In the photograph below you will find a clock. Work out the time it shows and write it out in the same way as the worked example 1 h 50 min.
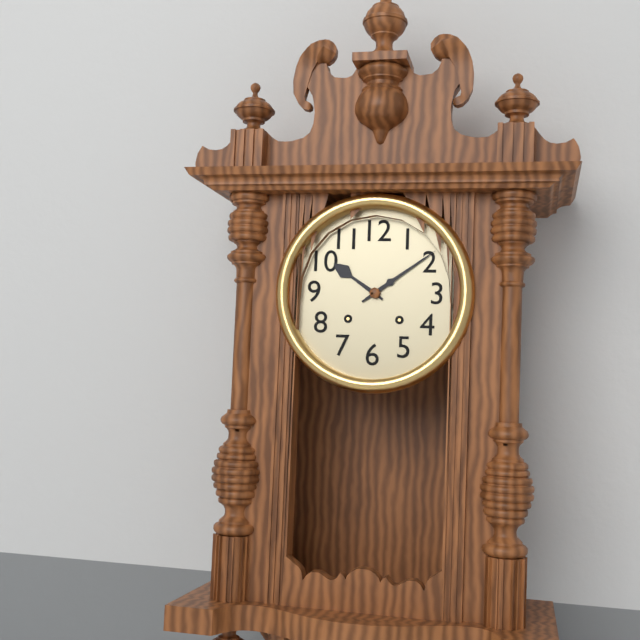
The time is 10 h 09 min
